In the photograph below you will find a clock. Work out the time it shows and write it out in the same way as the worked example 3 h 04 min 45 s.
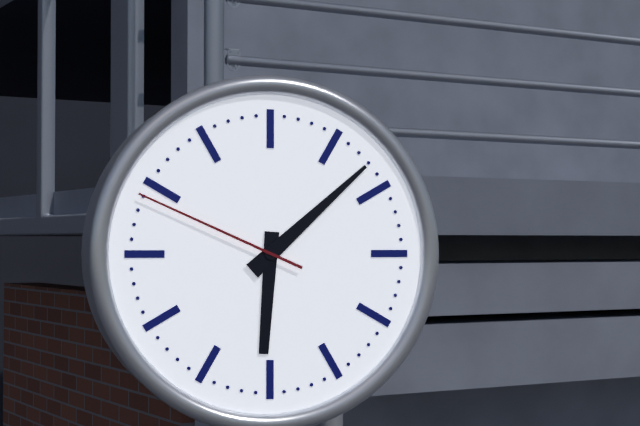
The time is 6 h 08 min 49 s
